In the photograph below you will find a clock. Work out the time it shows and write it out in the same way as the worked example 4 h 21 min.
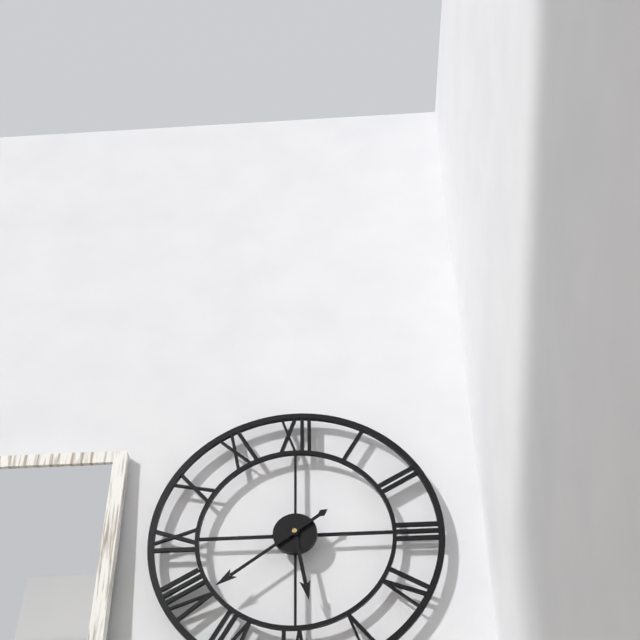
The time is 5 h 39 min
